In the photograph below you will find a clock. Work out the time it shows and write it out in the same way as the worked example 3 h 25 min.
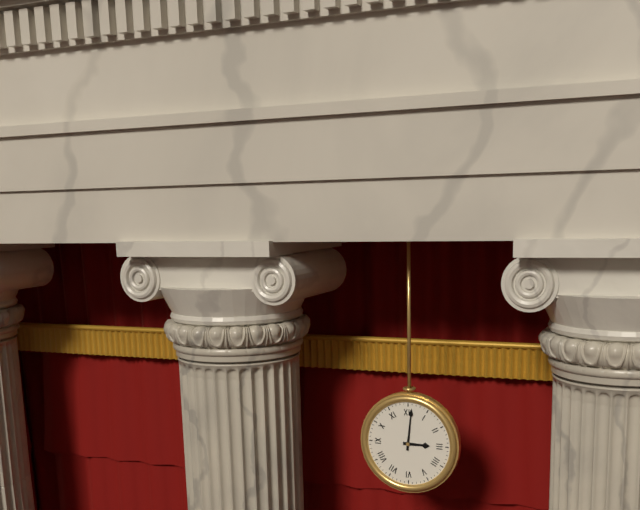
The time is 3 h 01 min
